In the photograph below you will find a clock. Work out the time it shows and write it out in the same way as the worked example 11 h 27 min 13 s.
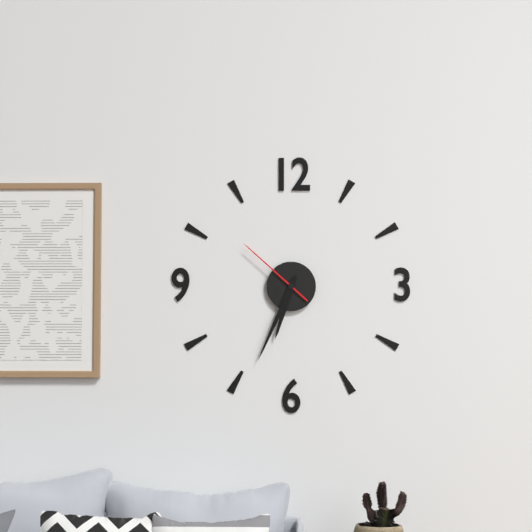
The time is 6 h 34 min 52 s
